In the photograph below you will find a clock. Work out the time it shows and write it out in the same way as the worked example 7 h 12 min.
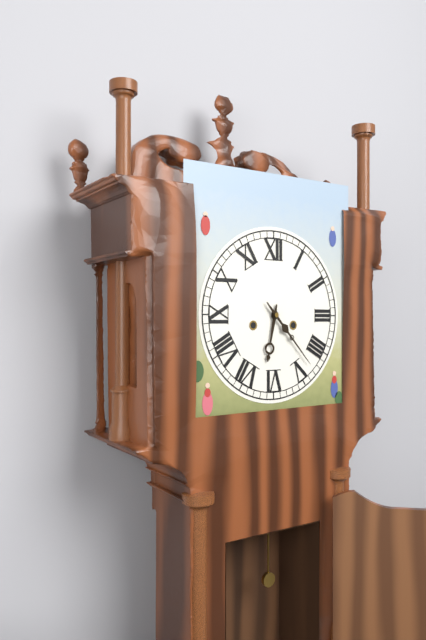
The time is 6 h 23 min
